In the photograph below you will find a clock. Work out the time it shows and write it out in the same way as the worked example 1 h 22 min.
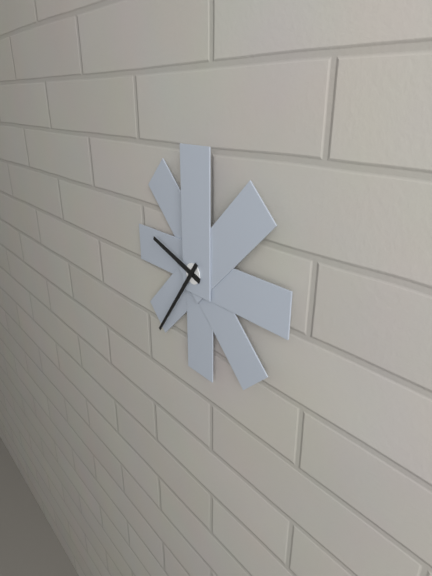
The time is 9 h 36 min
